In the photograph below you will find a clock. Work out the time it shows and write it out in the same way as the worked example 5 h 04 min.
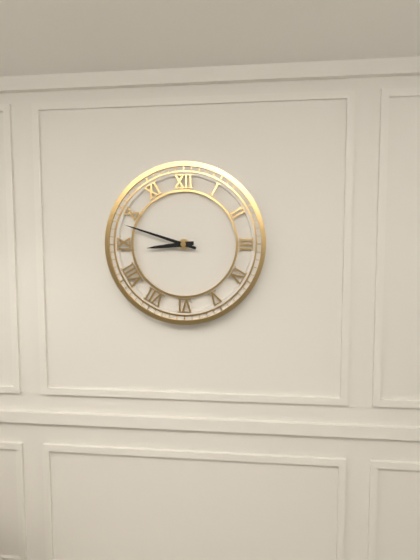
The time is 8 h 48 min
